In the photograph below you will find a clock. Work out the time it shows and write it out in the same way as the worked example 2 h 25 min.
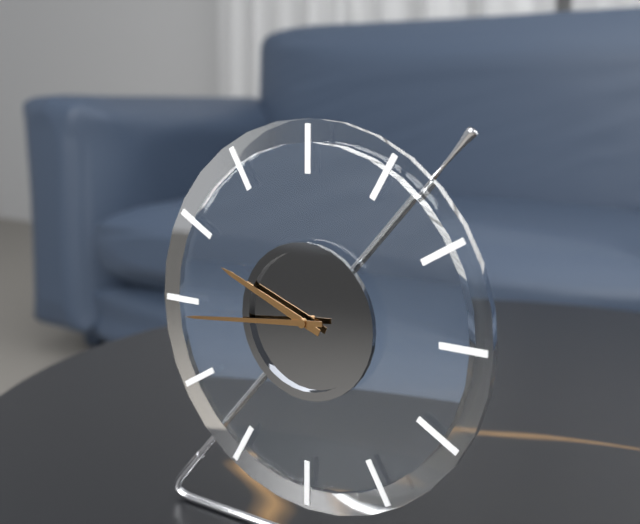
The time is 9 h 44 min
